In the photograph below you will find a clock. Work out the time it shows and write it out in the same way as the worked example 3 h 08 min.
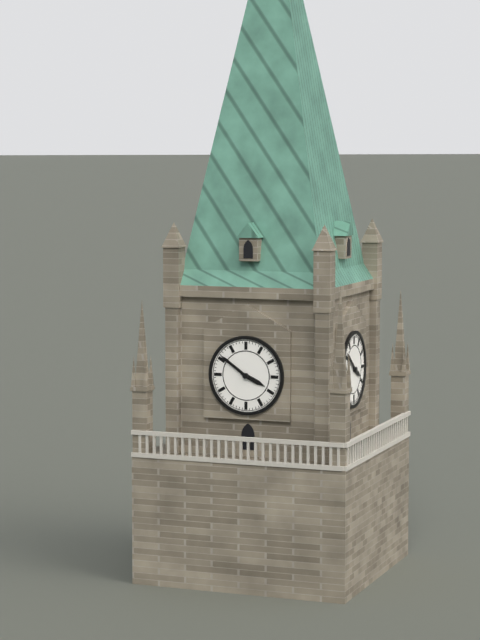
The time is 3 h 51 min
